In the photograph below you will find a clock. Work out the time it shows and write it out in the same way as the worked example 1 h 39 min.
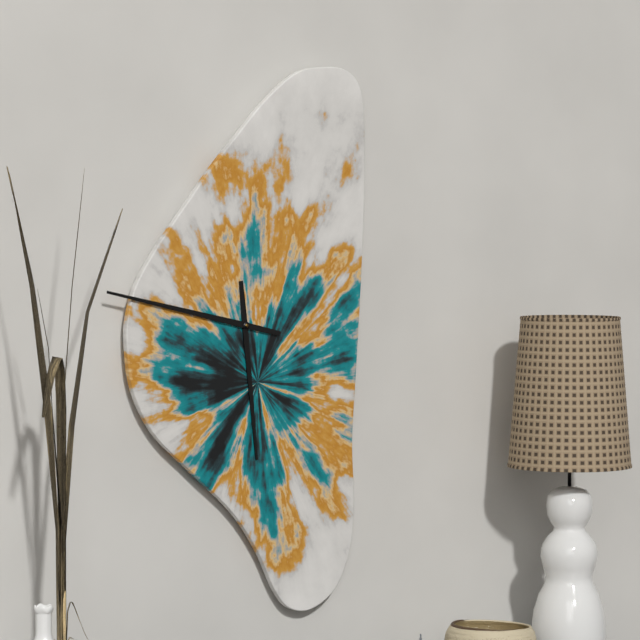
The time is 5 h 47 min
